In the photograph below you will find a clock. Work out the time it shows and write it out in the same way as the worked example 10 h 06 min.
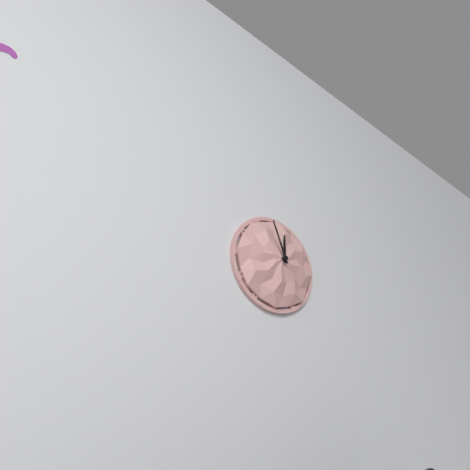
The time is 11 h 56 min
